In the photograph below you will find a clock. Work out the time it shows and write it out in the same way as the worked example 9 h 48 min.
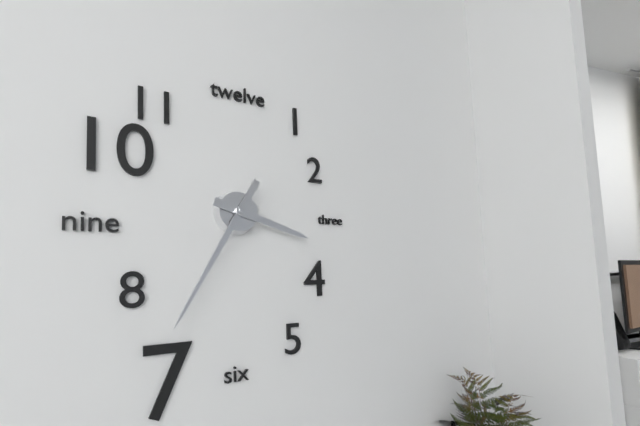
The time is 3 h 35 min
